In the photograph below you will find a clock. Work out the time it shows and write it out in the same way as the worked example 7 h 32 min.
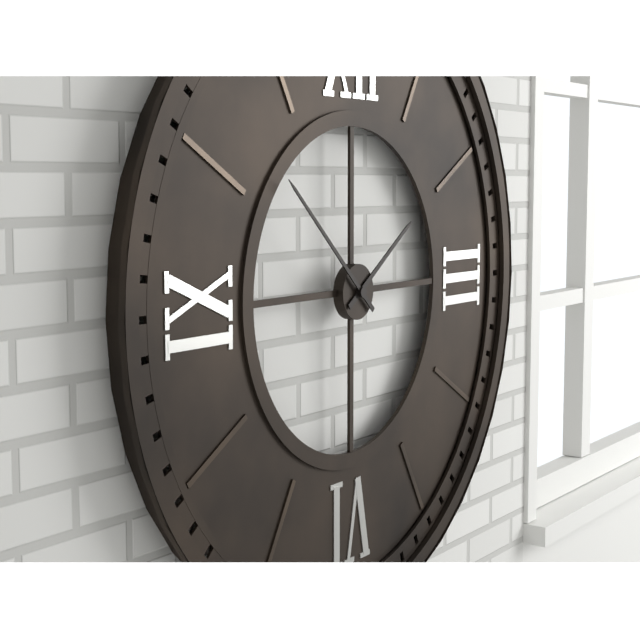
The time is 1 h 52 min
